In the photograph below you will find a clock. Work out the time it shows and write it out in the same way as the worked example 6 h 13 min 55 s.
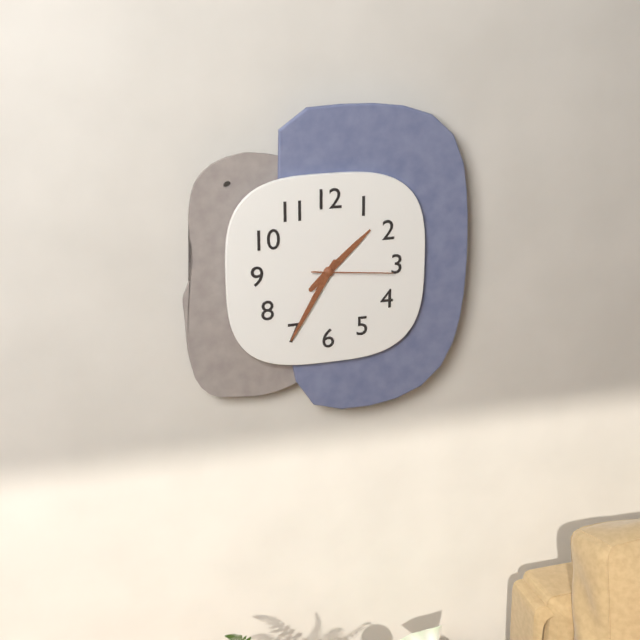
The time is 1 h 35 min 16 s
